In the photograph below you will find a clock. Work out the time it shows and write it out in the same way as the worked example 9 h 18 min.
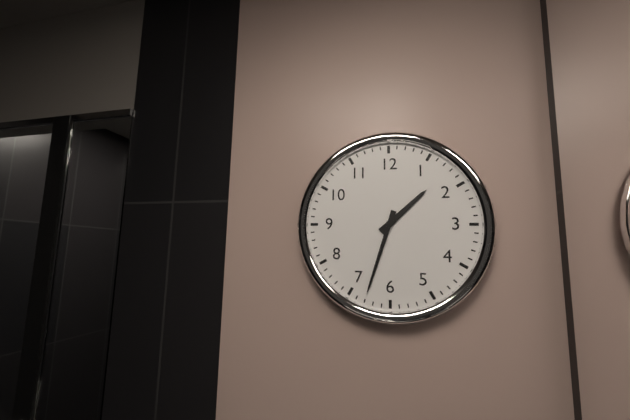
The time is 1 h 33 min
